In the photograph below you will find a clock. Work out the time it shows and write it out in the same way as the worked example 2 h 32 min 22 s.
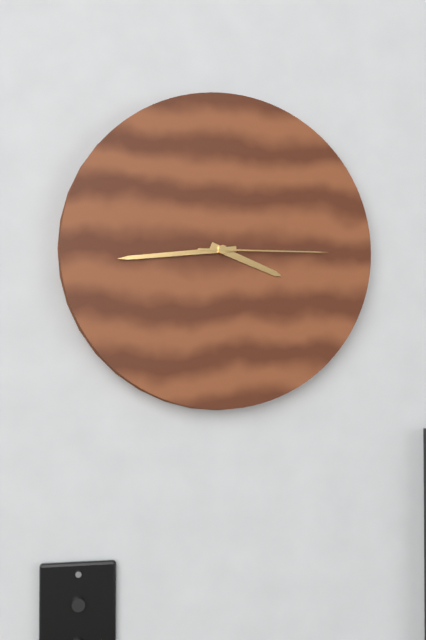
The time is 3 h 44 min 15 s
